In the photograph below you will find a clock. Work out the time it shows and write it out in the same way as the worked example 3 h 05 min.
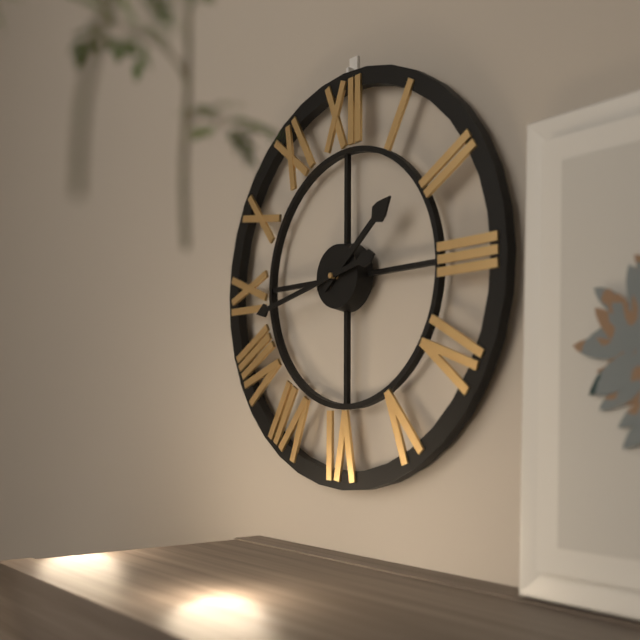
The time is 1 h 43 min
